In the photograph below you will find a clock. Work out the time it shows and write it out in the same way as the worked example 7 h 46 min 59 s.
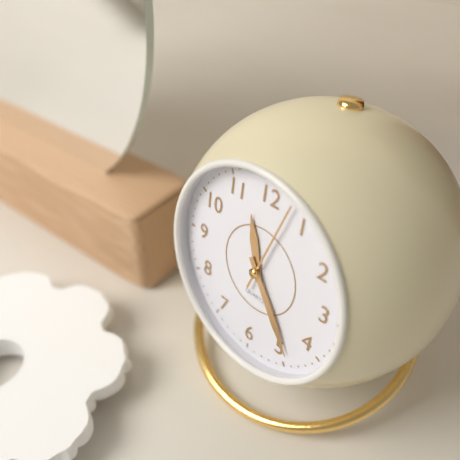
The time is 11 h 24 min 03 s
